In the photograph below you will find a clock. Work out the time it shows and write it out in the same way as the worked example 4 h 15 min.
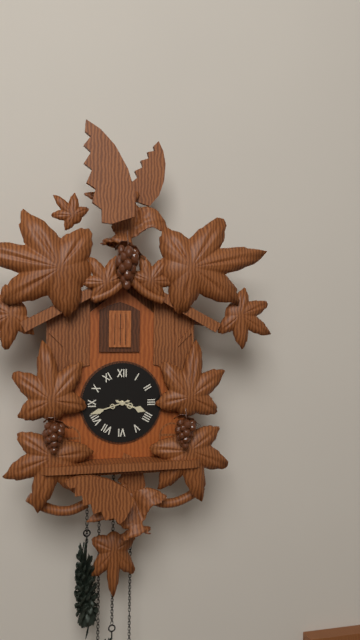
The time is 3 h 42 min
